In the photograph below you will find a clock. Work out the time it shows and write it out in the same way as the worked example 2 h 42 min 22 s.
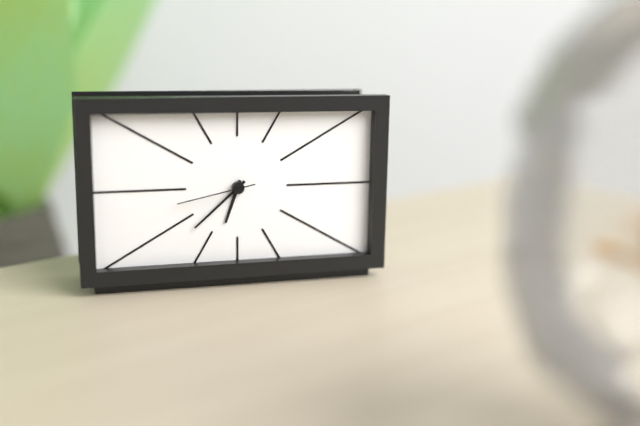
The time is 6 h 38 min 43 s
